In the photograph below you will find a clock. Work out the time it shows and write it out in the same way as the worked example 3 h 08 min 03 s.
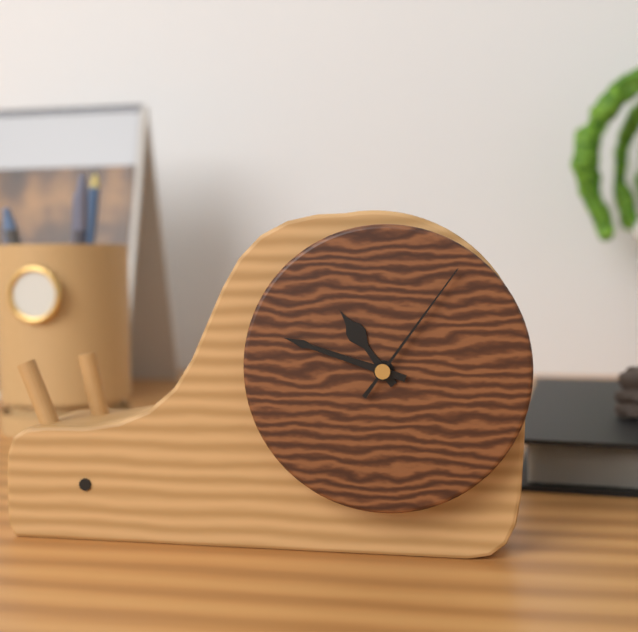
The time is 10 h 48 min 06 s
